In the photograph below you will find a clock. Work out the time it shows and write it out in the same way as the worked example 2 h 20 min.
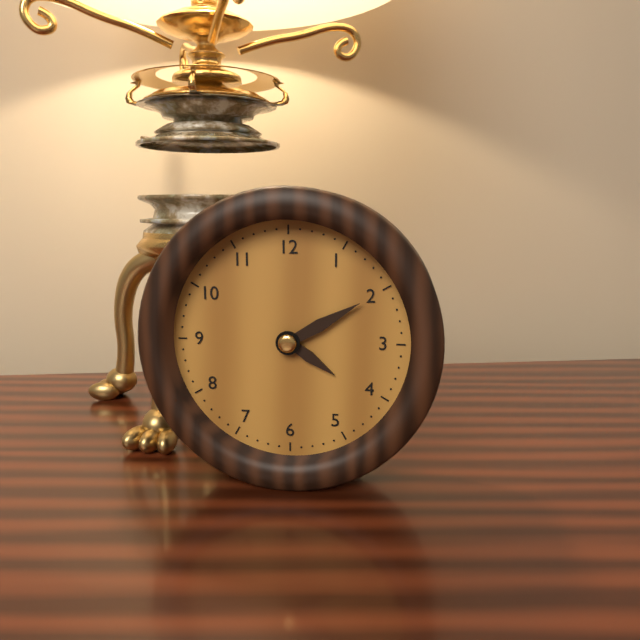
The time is 4 h 10 min
